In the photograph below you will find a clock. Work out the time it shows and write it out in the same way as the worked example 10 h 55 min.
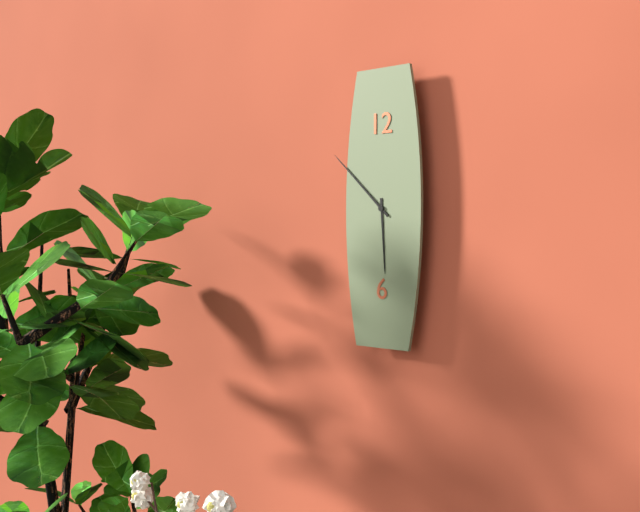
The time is 5 h 52 min
